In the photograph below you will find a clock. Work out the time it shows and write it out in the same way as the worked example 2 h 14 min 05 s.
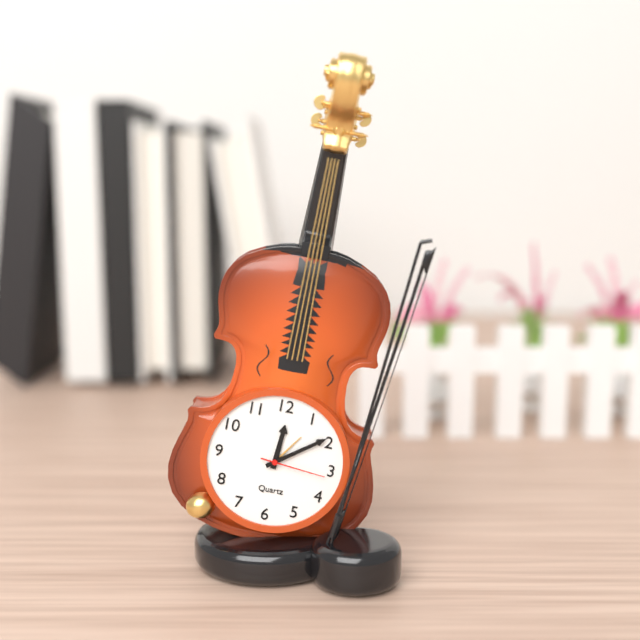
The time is 12 h 09 min 16 s
